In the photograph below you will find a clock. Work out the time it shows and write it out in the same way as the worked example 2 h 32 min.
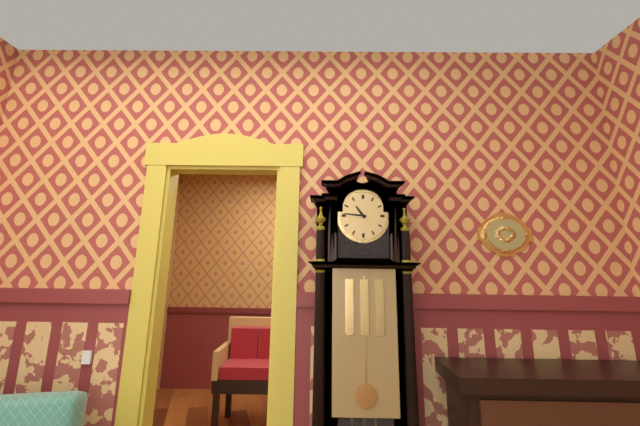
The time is 10 h 46 min
